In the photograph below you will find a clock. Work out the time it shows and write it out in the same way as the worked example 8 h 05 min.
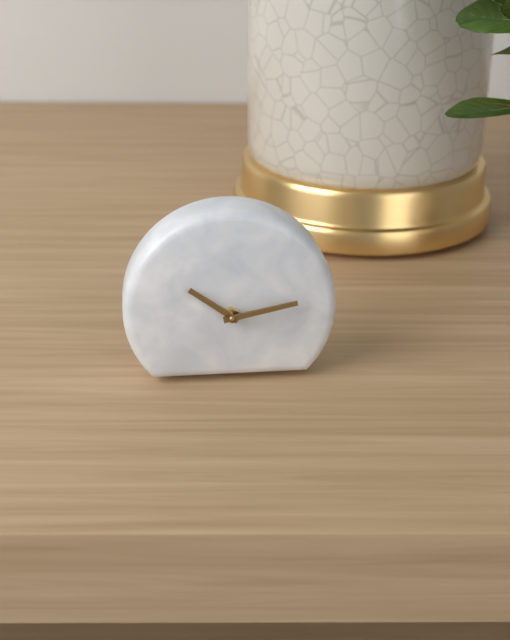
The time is 10 h 13 min
